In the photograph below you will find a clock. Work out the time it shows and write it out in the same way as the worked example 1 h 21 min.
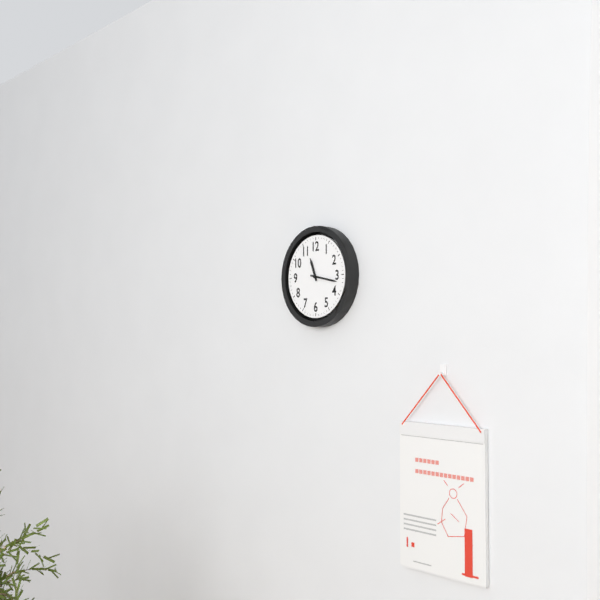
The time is 11 h 17 min
